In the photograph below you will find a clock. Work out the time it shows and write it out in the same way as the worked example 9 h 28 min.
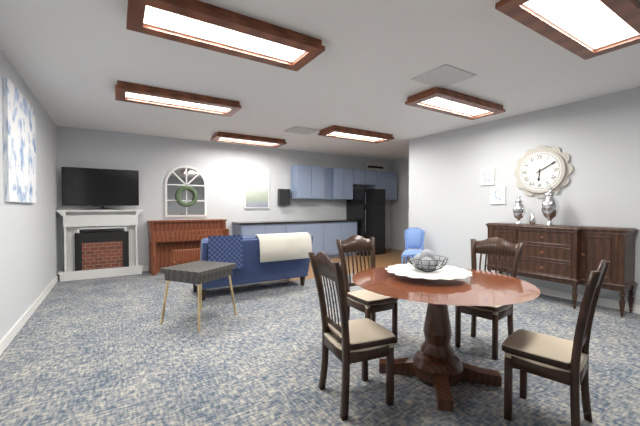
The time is 6 h 10 min
